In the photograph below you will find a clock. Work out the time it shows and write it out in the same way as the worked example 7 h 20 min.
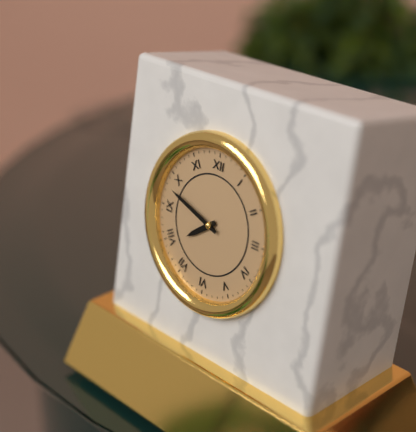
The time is 7 h 48 min
